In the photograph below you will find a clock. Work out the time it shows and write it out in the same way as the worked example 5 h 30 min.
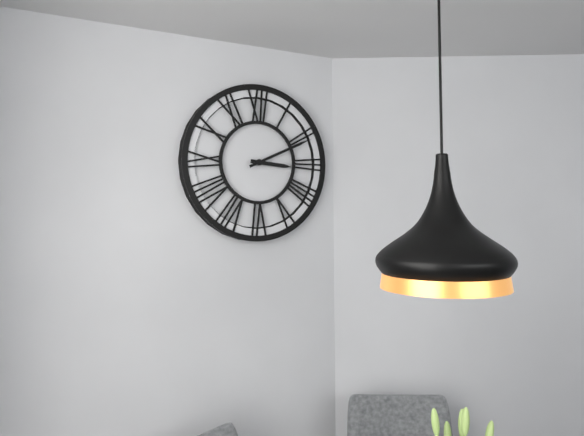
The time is 3 h 11 min
